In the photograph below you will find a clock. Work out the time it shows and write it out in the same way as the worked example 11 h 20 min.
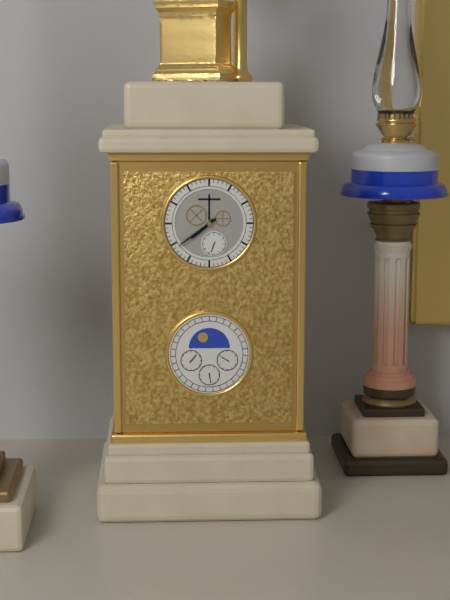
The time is 7 h 39 min
